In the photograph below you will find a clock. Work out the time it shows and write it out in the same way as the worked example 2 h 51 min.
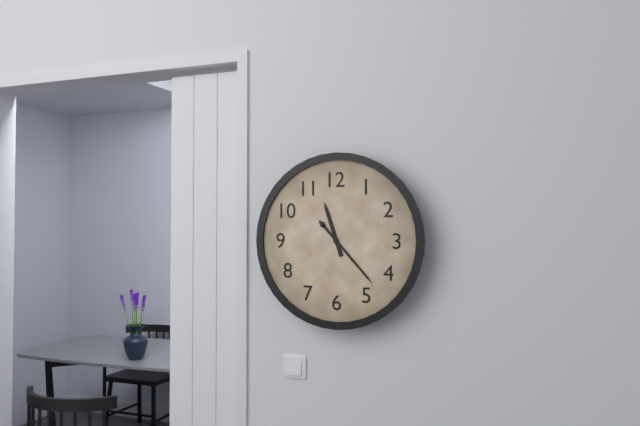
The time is 11 h 23 min
